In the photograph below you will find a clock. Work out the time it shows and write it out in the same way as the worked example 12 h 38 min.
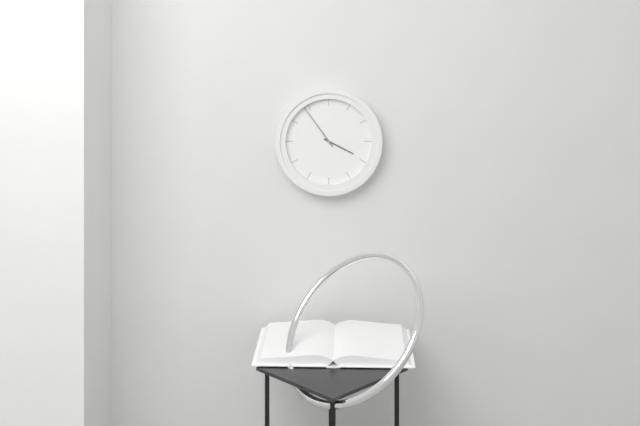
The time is 3 h 54 min
